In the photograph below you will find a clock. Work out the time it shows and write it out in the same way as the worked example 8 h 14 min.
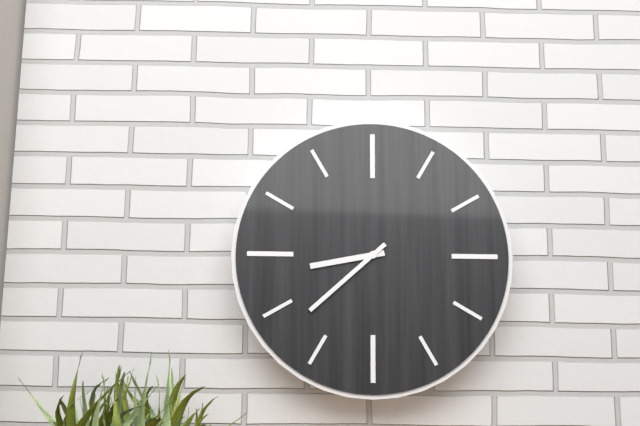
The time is 8 h 38 min
